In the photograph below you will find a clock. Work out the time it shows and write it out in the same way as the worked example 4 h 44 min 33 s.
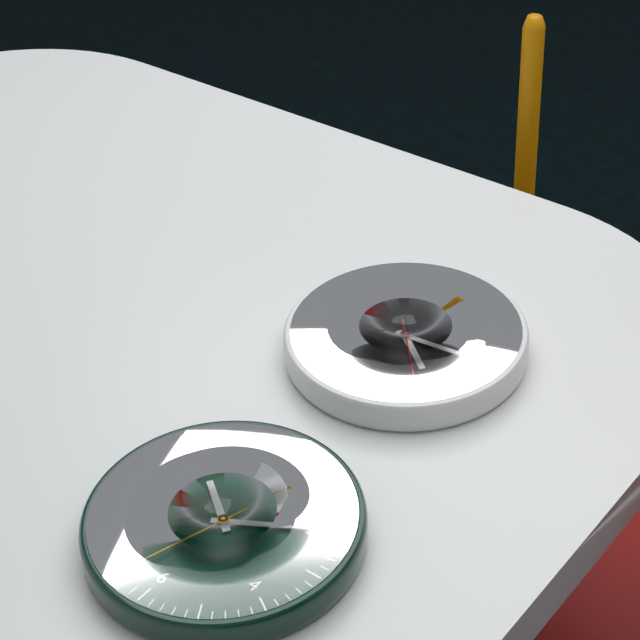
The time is 4 h 14 min 23 s
